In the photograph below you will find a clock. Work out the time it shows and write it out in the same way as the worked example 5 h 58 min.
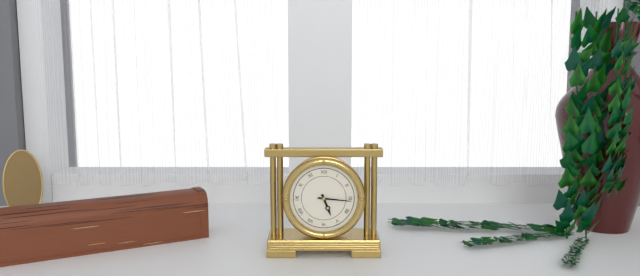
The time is 5 h 16 min
